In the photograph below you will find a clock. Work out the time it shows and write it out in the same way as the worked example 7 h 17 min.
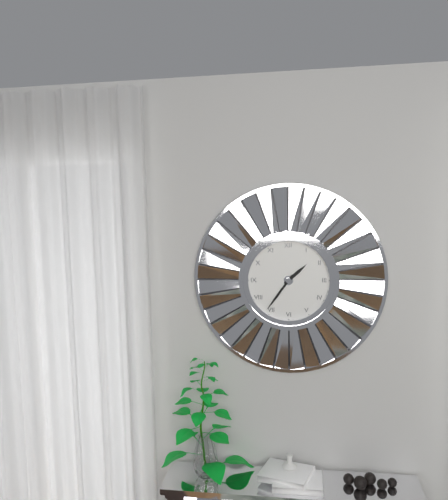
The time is 1 h 36 min
